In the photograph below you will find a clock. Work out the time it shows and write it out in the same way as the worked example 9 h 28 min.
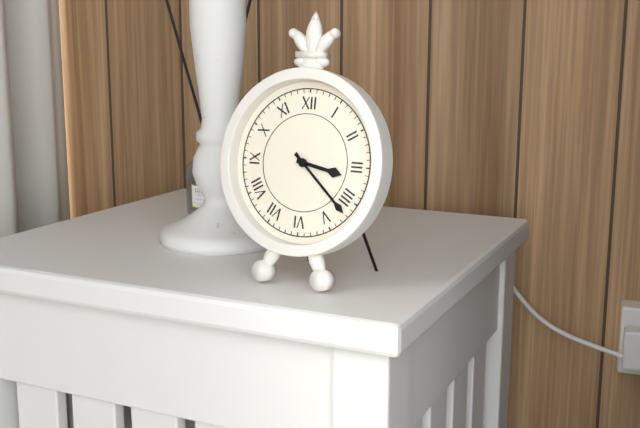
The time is 3 h 22 min
